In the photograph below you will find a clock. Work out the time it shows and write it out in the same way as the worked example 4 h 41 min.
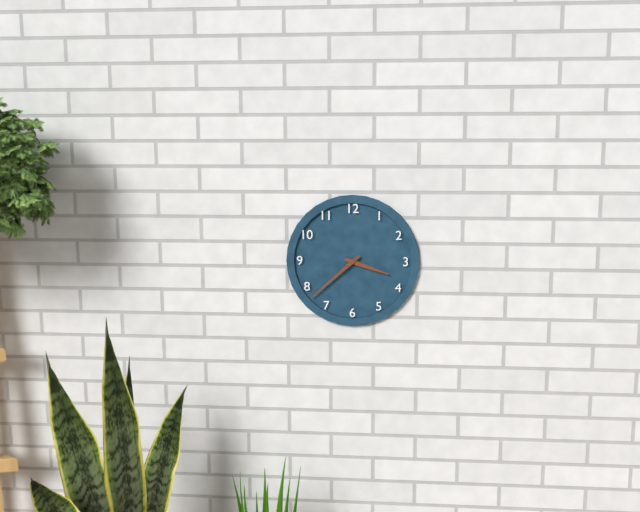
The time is 3 h 38 min
